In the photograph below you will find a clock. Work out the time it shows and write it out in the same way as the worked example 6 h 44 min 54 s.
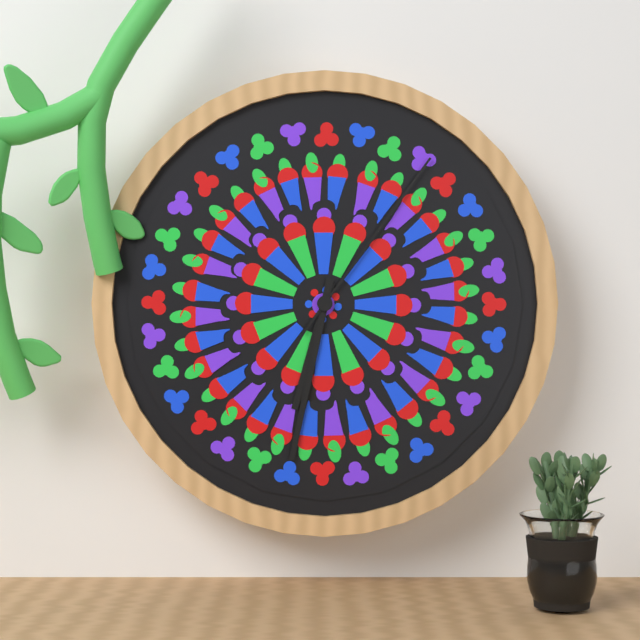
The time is 6 h 32 min 06 s
